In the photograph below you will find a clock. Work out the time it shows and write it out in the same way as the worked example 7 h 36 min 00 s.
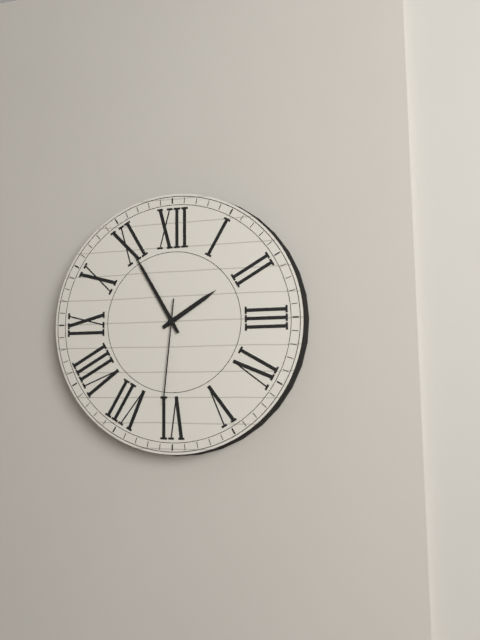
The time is 1 h 55 min 31 s
